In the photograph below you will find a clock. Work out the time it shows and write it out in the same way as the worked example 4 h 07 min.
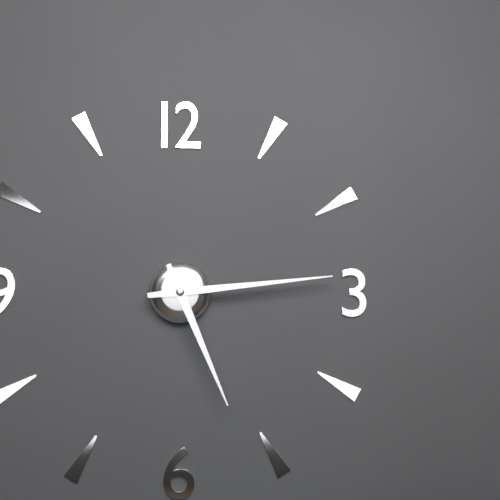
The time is 5 h 14 min
